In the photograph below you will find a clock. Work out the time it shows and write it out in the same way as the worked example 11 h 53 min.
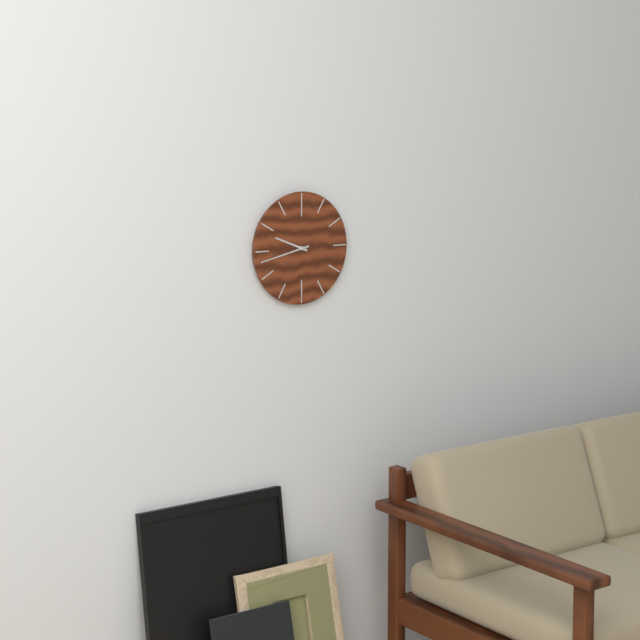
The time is 9 h 43 min
